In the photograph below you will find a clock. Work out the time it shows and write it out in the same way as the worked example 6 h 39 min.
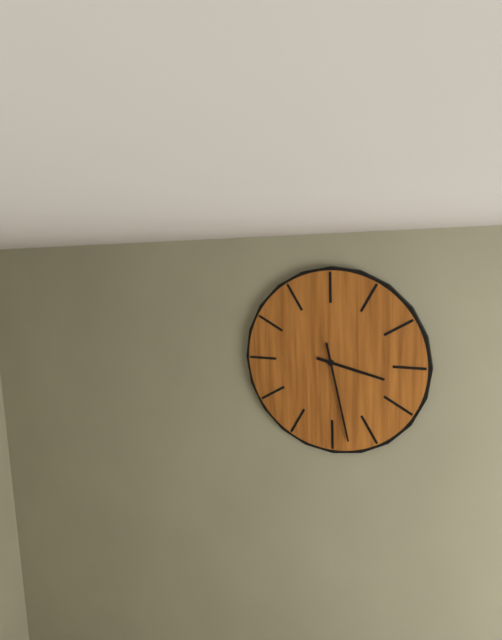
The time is 3 h 28 min
